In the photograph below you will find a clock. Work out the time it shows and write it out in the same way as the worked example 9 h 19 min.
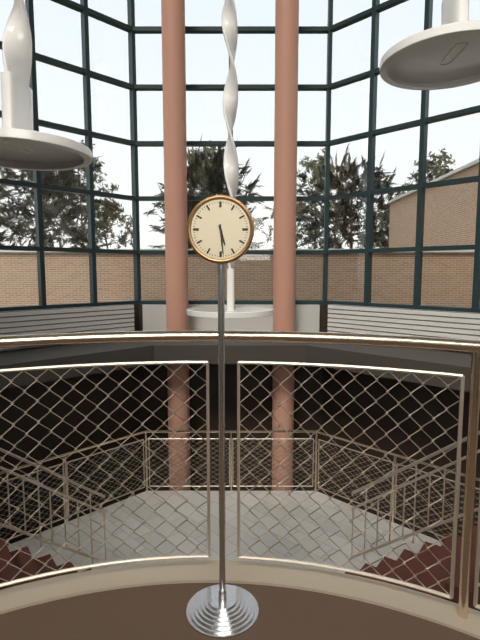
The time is 5 h 29 min
